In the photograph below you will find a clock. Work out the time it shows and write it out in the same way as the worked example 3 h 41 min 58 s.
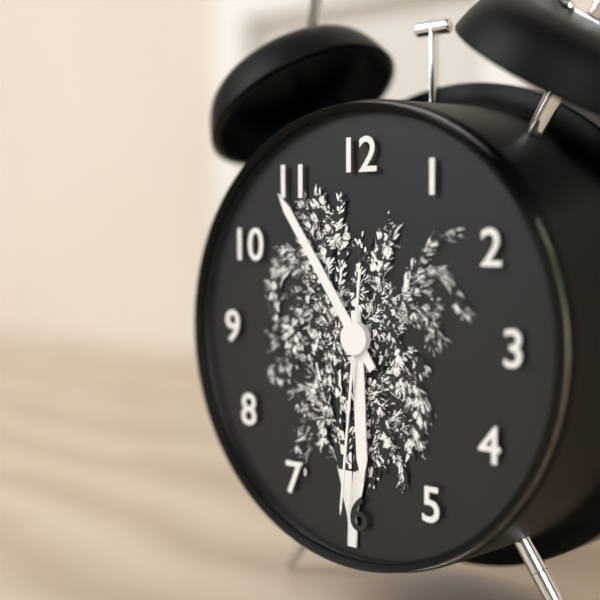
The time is 5 h 54 min 31 s
